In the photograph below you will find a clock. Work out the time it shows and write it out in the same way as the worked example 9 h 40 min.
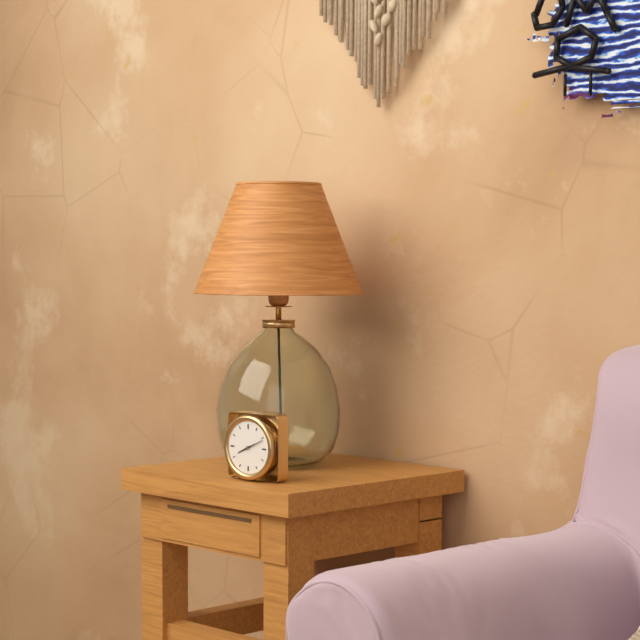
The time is 8 h 11 min
